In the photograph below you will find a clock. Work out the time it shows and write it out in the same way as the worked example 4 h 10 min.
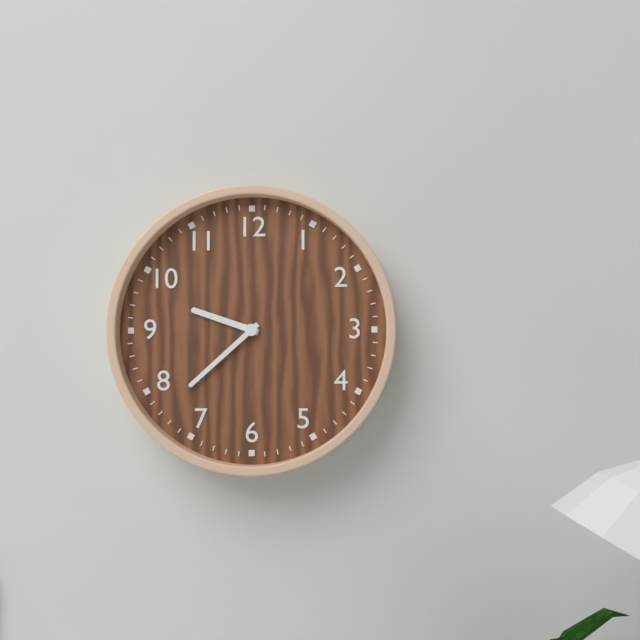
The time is 9 h 38 min
